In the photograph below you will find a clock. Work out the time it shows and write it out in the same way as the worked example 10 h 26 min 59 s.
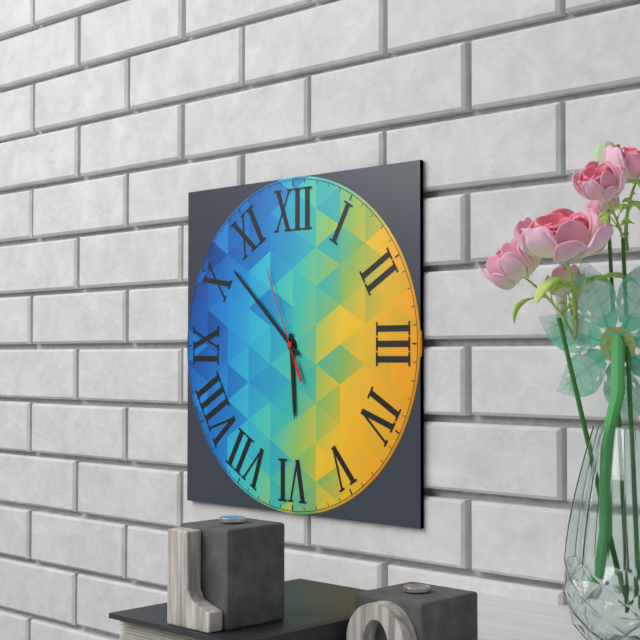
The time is 5 h 52 min 56 s
